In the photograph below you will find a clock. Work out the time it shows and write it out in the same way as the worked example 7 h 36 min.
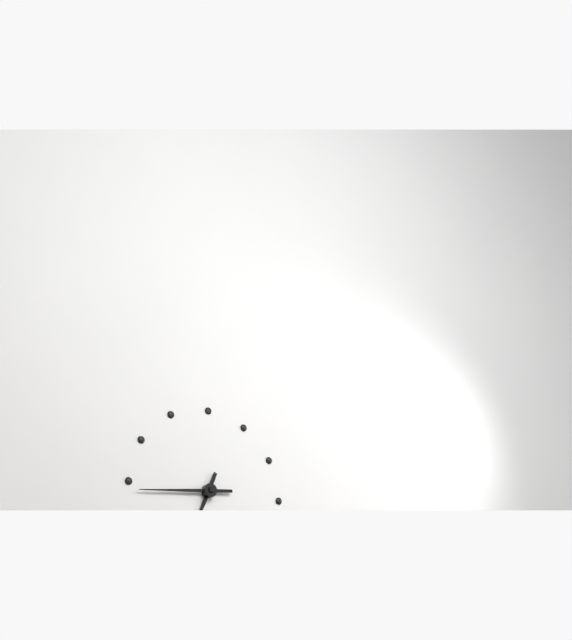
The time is 6 h 44 min
